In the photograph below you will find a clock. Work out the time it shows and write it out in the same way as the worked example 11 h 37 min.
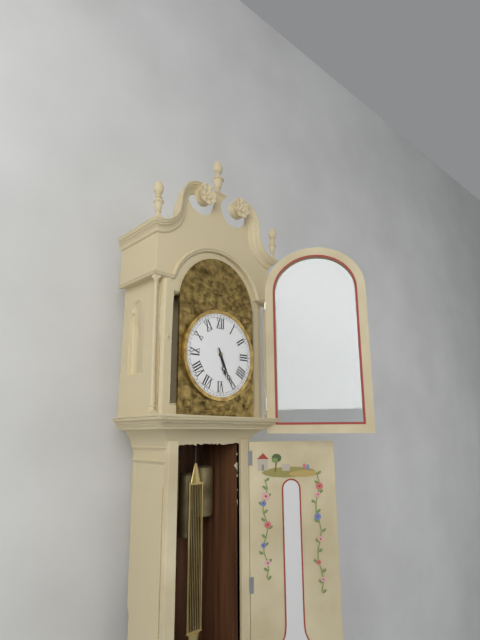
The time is 5 h 26 min
